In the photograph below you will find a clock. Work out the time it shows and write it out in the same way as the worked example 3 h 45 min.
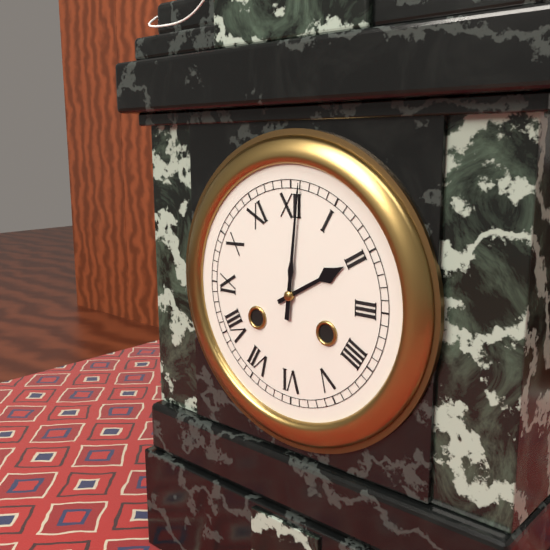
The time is 2 h 01 min
